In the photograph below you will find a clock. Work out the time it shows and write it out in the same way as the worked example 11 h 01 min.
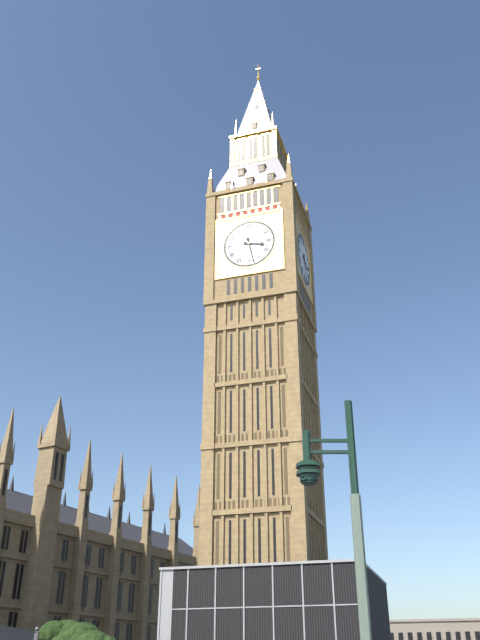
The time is 3 h 28 min
